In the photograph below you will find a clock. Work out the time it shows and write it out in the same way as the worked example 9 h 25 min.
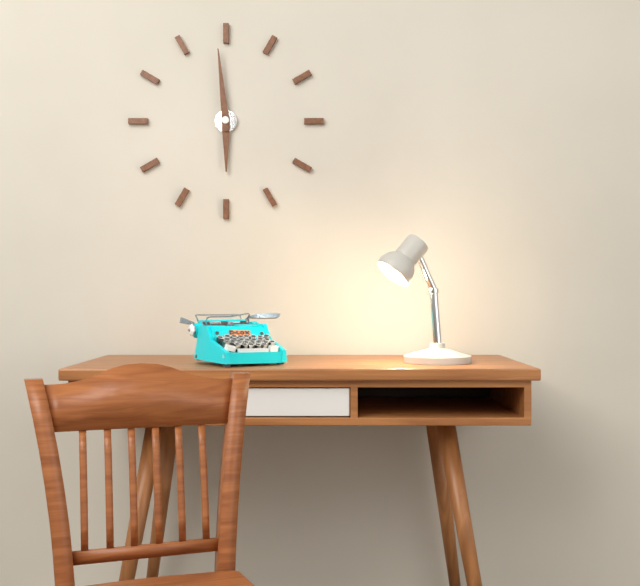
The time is 5 h 59 min
